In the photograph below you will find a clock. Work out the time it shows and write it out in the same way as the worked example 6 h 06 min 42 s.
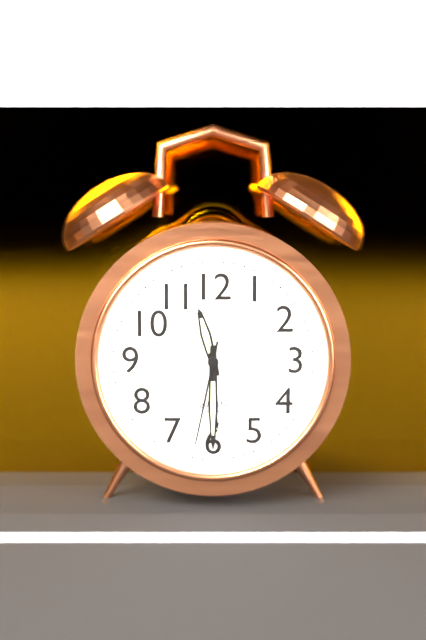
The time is 11 h 30 min 32 s
